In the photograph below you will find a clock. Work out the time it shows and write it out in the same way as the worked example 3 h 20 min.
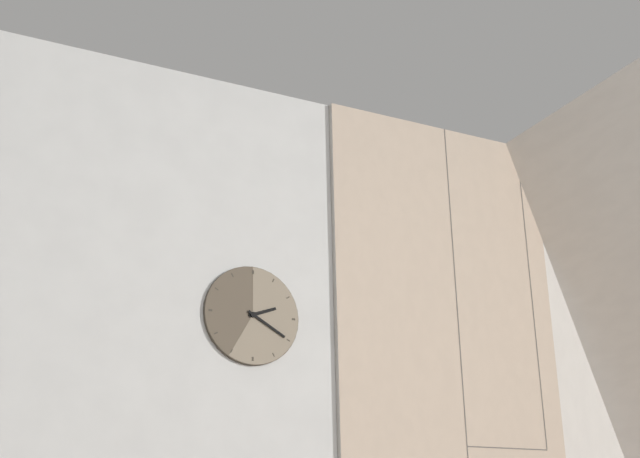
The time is 2 h 20 min
